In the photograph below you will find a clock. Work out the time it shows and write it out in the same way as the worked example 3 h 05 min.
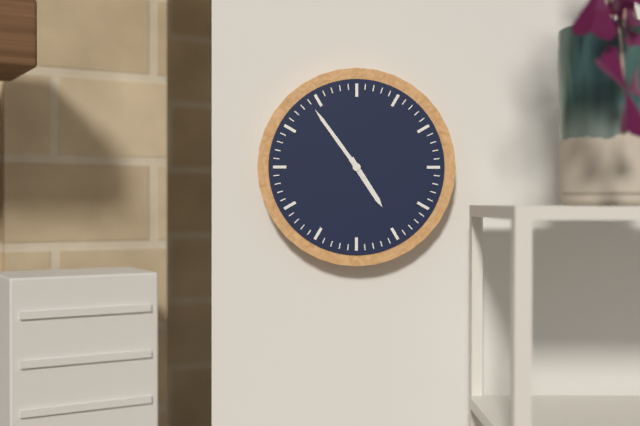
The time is 4 h 54 min
